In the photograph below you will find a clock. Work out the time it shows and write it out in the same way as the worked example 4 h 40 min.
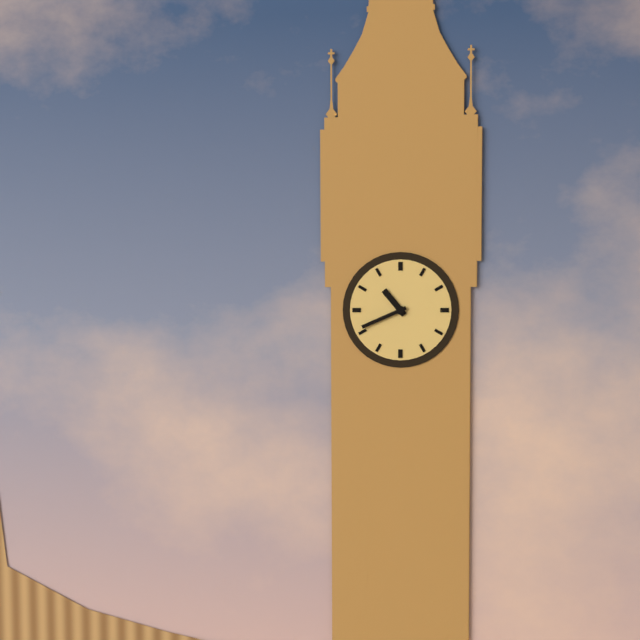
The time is 10 h 41 min
